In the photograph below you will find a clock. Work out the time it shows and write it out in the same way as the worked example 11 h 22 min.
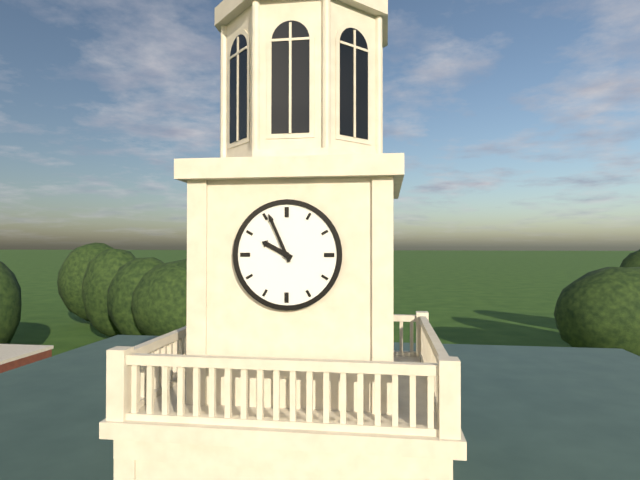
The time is 9 h 56 min
